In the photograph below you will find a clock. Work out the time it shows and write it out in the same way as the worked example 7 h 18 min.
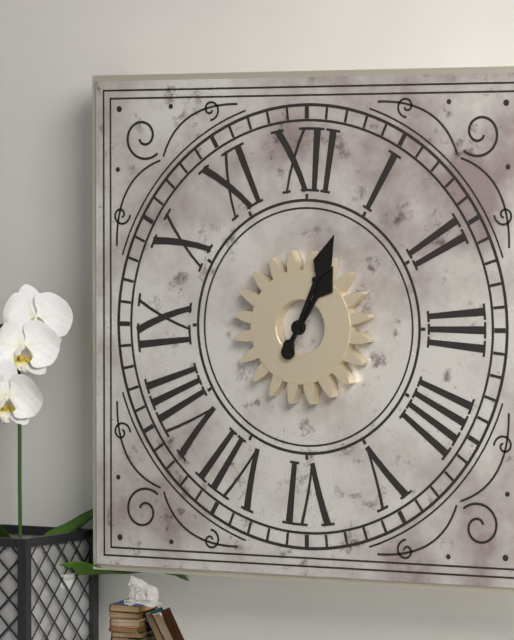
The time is 1 h 04 min
